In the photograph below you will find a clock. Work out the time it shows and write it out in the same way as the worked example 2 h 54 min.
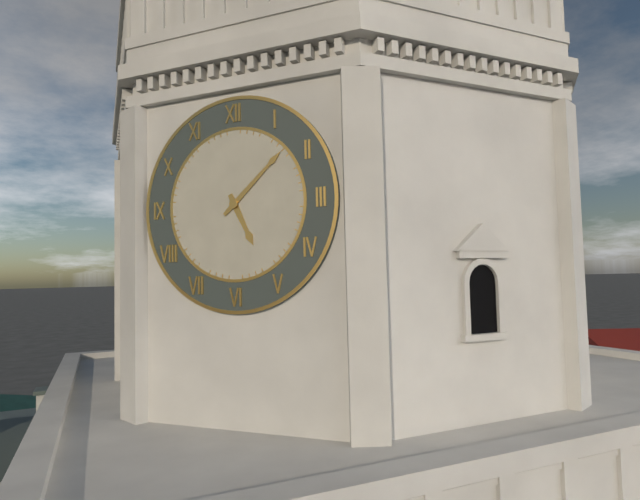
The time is 5 h 08 min
